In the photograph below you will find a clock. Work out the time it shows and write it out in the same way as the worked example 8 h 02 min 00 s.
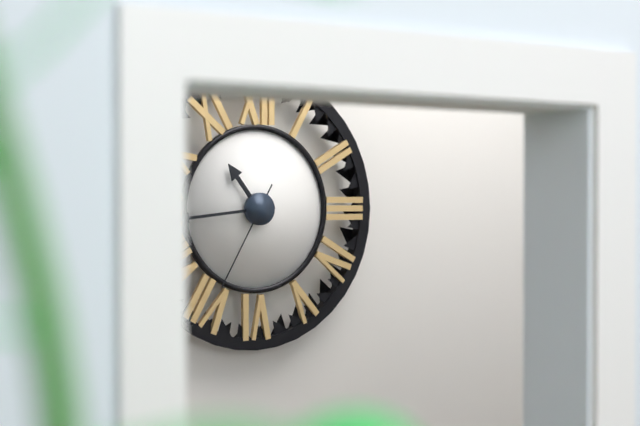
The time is 10 h 44 min 35 s
